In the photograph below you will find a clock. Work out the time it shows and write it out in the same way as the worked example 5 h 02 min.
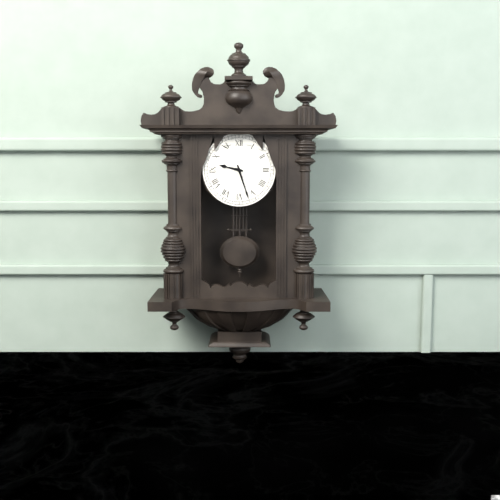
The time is 9 h 27 min
